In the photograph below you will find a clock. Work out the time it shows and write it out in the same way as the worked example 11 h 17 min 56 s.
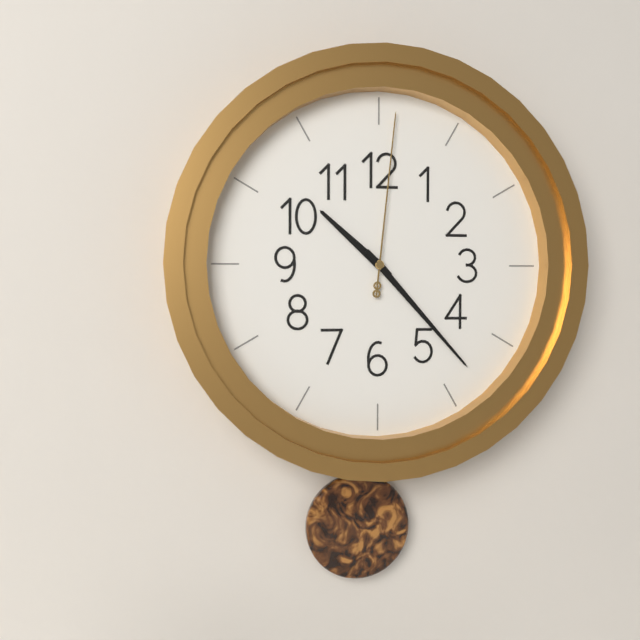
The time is 10 h 23 min 01 s
